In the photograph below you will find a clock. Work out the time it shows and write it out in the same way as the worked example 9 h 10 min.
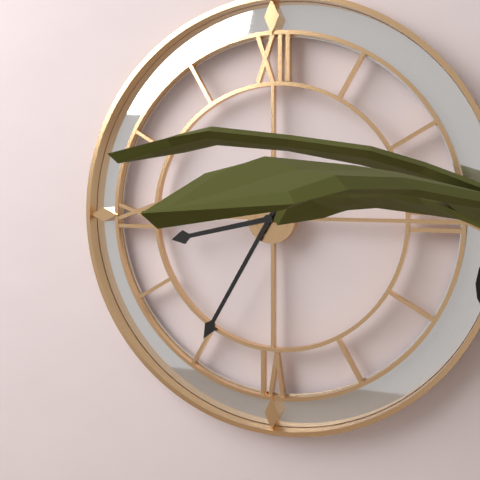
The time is 8 h 35 min
